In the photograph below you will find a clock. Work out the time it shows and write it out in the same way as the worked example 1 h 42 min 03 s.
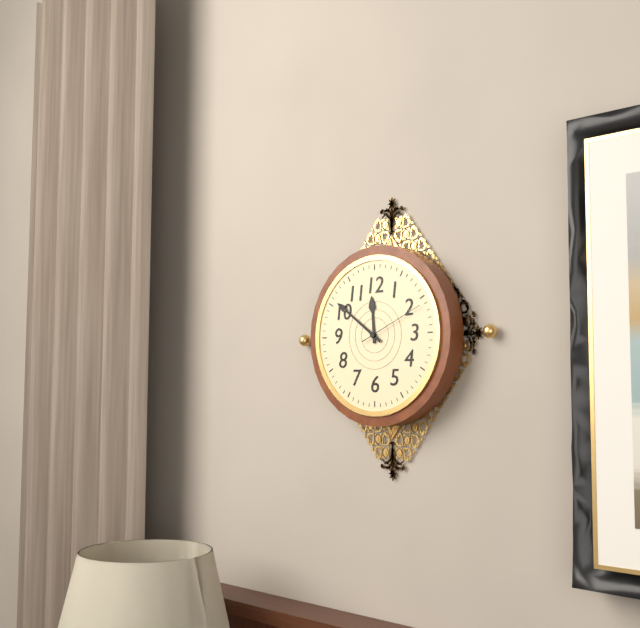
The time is 11 h 51 min 11 s
